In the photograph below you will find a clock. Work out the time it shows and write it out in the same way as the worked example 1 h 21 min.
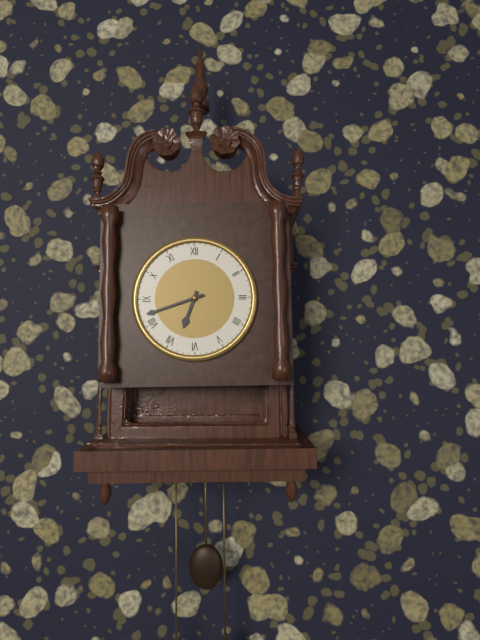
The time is 6 h 42 min
